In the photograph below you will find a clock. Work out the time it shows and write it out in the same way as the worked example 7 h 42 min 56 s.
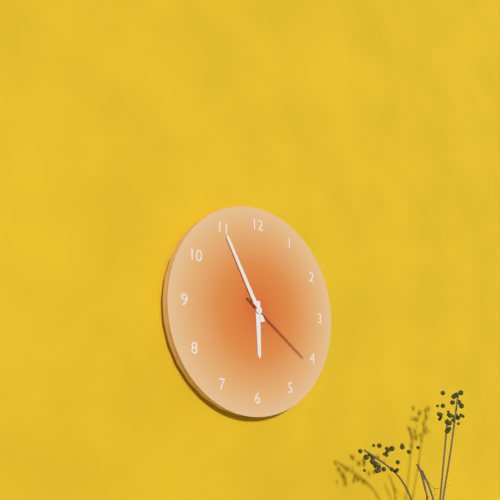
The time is 5 h 55 min 21 s
